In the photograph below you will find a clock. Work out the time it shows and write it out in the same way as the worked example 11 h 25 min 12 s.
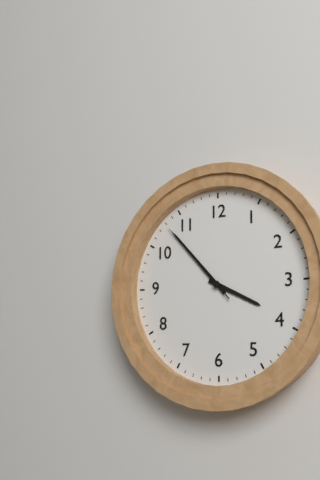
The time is 3 h 53 min 53 s
